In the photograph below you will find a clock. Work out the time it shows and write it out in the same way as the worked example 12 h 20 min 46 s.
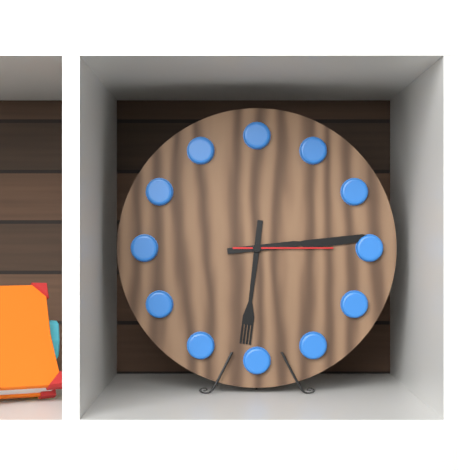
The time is 6 h 14 min 15 s
